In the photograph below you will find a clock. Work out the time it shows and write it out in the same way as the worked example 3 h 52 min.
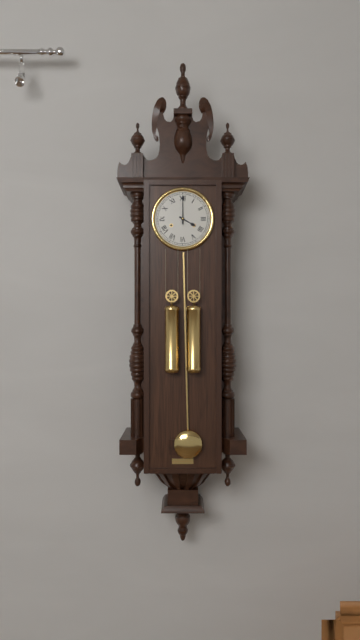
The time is 4 h 00 min
